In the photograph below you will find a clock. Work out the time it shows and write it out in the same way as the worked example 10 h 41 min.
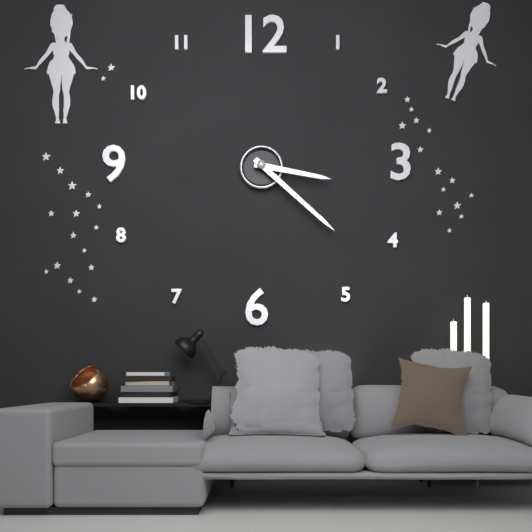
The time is 3 h 22 min
